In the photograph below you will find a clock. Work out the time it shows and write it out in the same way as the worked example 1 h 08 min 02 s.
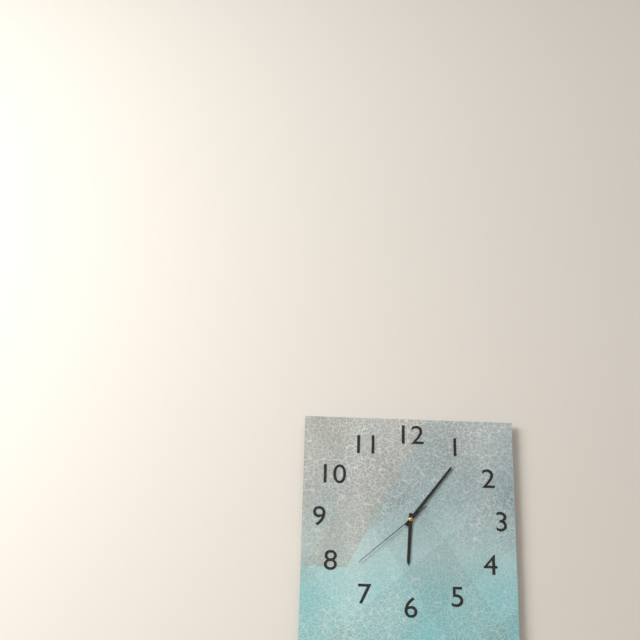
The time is 6 h 06 min 38 s
